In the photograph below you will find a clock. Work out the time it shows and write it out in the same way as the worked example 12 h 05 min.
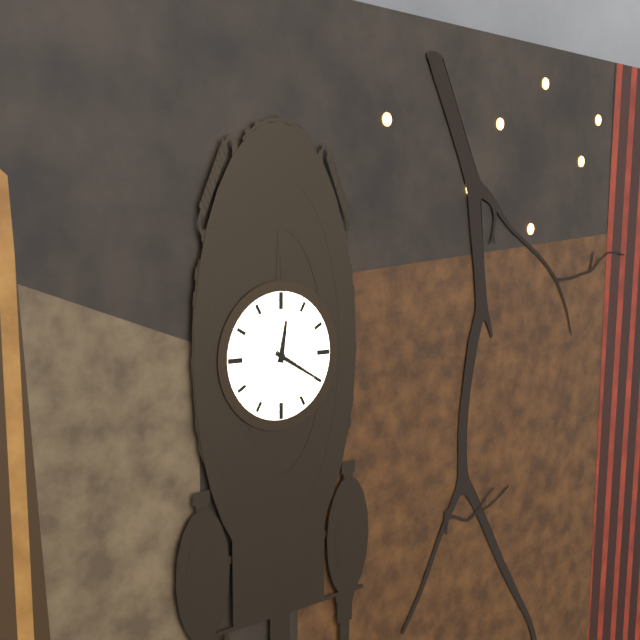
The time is 12 h 20 min
